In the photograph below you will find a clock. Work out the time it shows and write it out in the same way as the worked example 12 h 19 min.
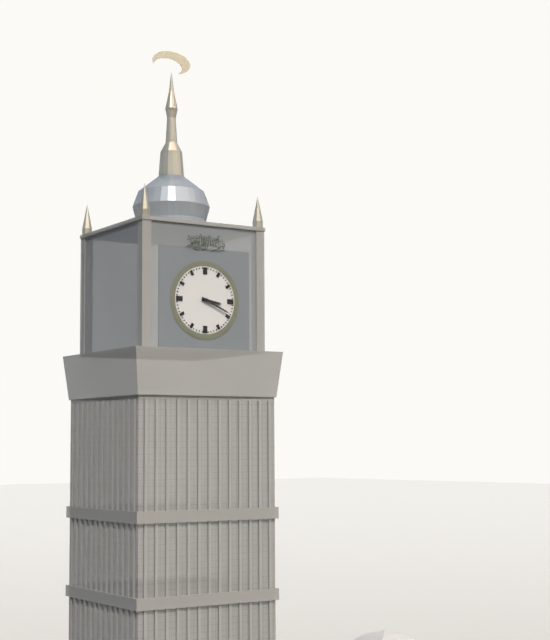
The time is 3 h 19 min
